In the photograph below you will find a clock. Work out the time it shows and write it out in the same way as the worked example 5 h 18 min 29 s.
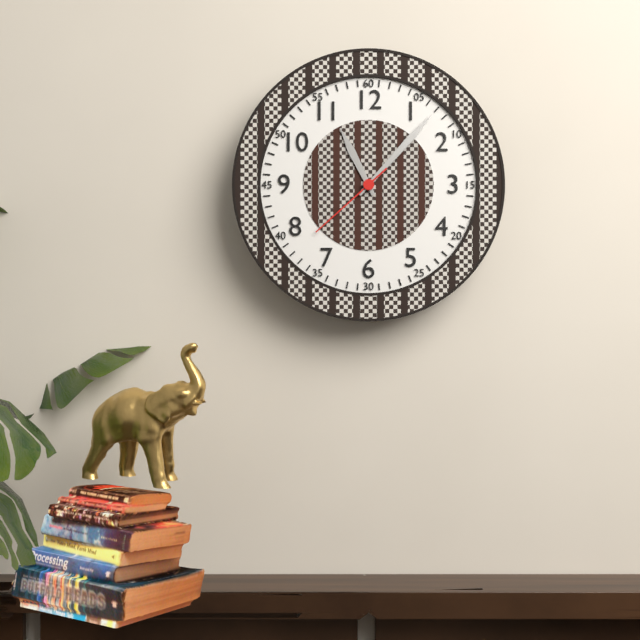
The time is 11 h 07 min 38 s
